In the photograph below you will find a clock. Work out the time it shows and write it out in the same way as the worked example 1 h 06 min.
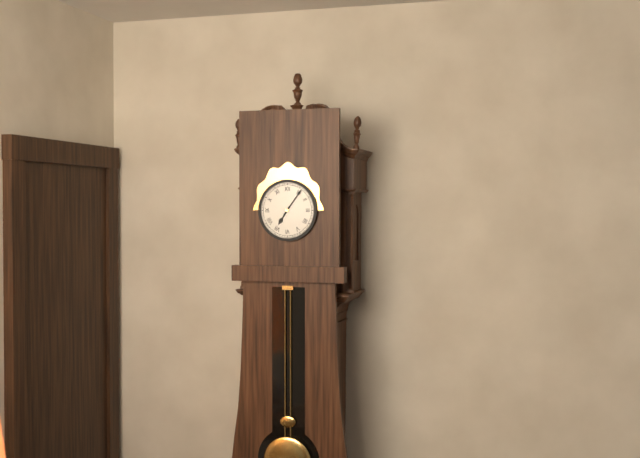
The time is 7 h 06 min
